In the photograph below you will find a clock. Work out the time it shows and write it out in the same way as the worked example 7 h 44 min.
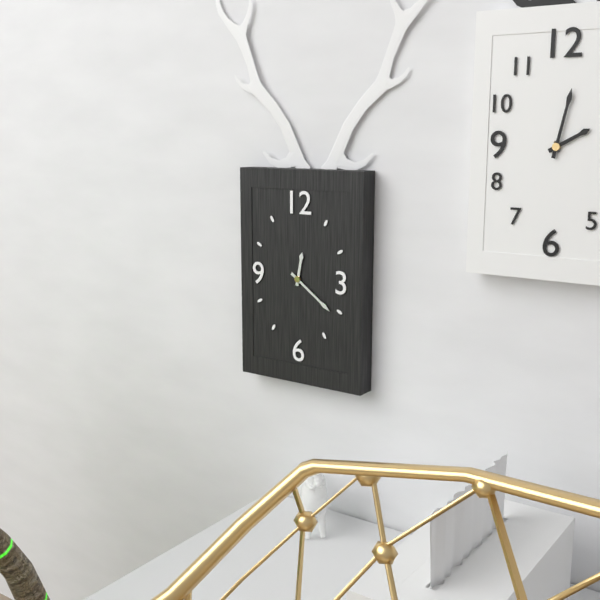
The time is 12 h 21 min
